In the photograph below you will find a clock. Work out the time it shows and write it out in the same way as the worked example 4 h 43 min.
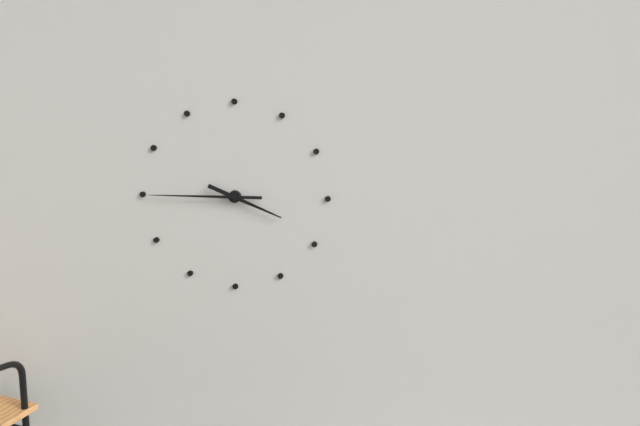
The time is 3 h 45 min
